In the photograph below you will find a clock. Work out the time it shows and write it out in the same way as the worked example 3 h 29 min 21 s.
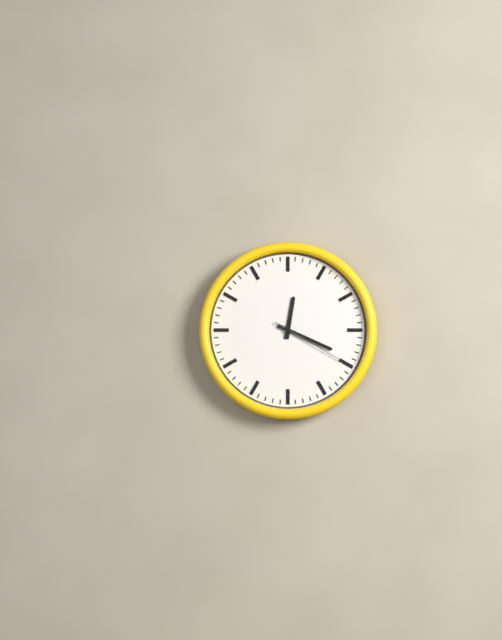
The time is 12 h 19 min 20 s
